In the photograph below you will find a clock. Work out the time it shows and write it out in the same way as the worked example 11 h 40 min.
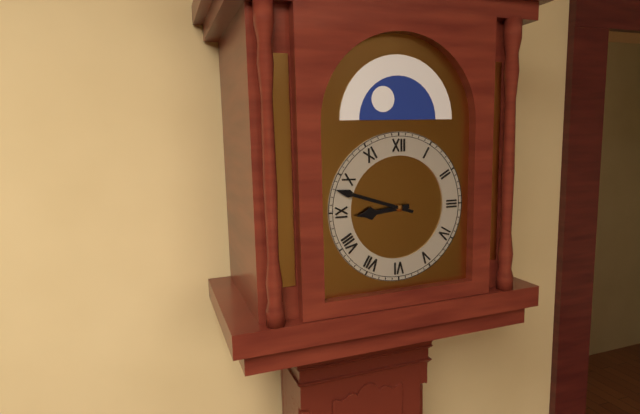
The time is 8 h 48 min
